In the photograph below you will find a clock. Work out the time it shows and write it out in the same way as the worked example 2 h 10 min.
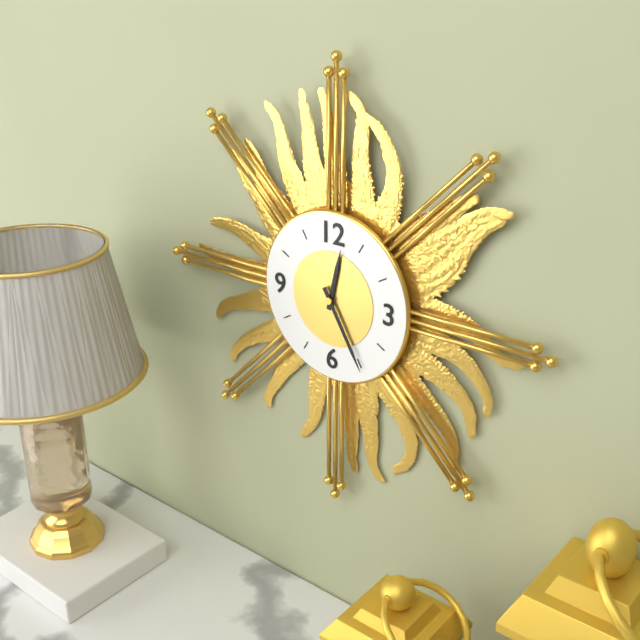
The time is 12 h 25 min
